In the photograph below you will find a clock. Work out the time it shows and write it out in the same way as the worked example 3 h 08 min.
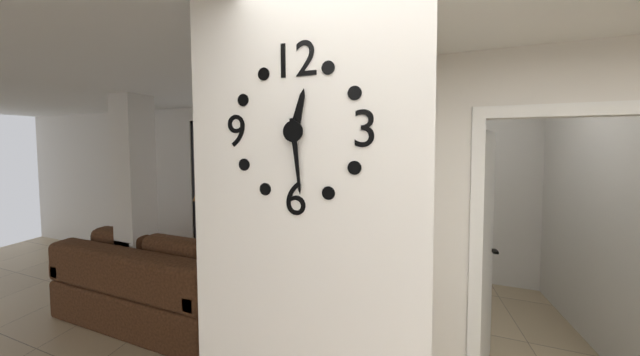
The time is 12 h 29 min
